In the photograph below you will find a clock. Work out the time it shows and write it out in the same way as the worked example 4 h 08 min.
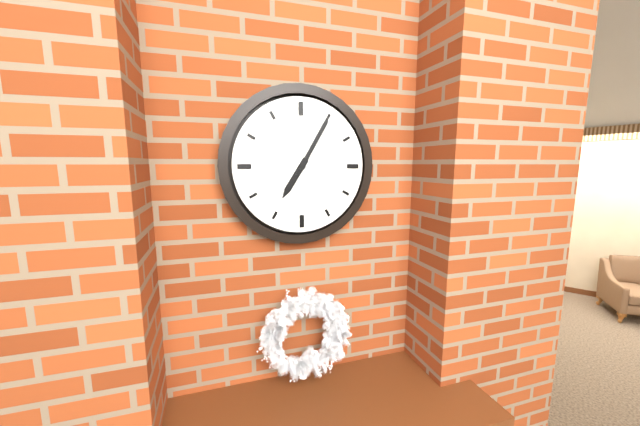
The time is 7 h 05 min
